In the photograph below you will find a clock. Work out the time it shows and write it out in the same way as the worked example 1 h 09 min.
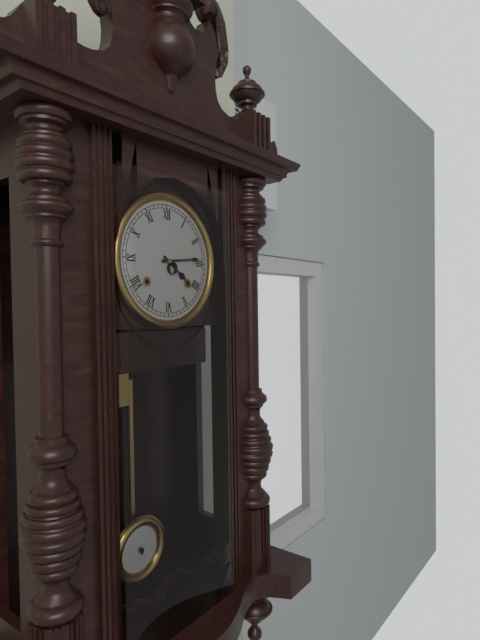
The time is 4 h 14 min
